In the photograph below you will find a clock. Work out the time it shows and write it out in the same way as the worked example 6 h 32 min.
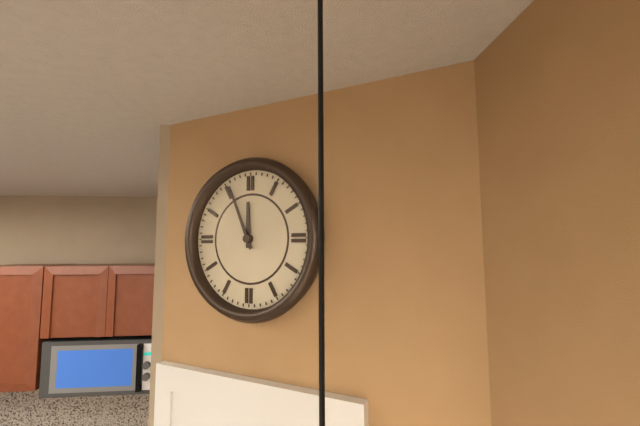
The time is 11 h 56 min
